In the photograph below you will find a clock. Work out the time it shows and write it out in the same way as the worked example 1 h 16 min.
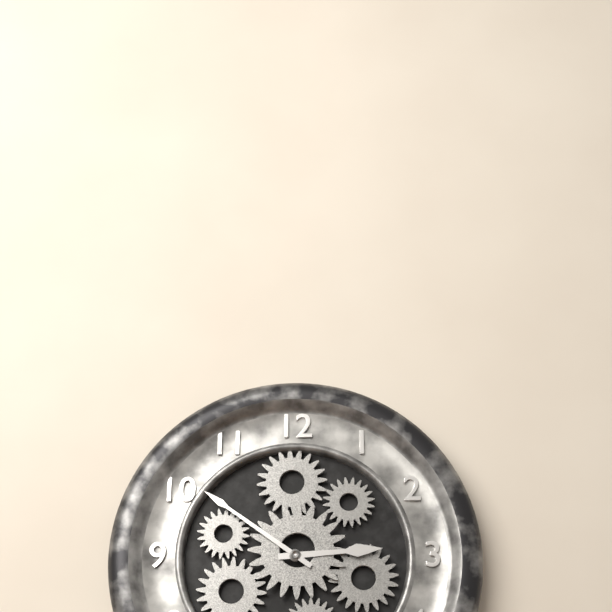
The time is 2 h 51 min
